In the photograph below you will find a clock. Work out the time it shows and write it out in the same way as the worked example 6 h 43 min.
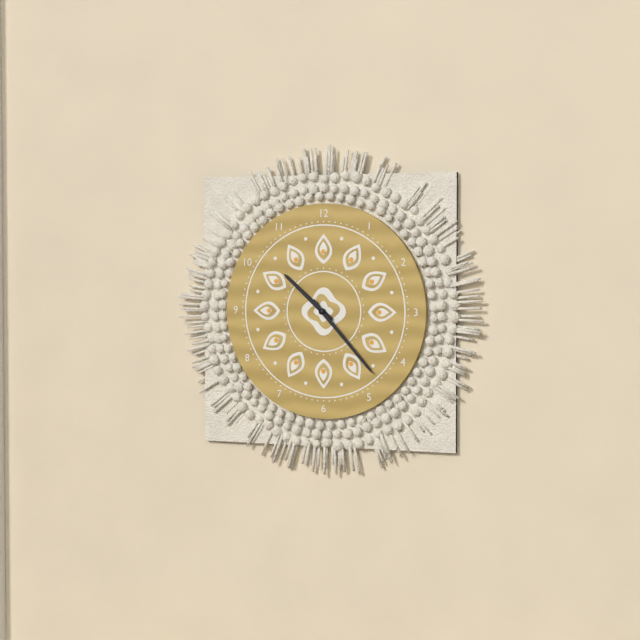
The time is 10 h 23 min
